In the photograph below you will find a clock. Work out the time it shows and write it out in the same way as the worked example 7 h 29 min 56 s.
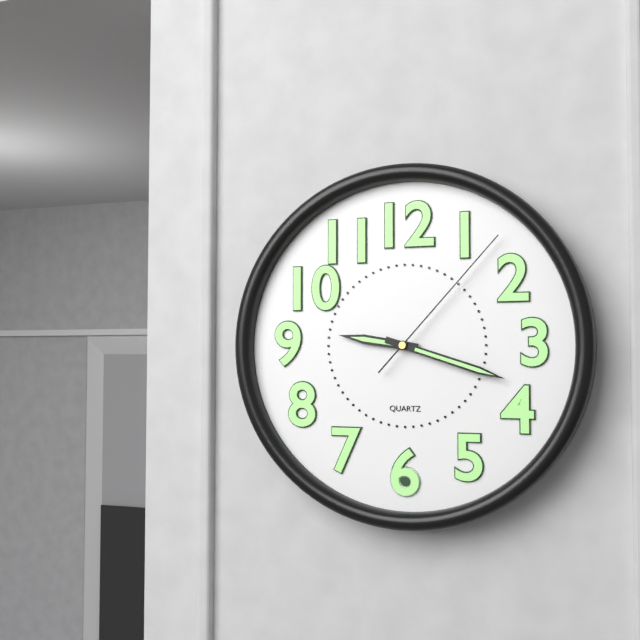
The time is 9 h 18 min 07 s
